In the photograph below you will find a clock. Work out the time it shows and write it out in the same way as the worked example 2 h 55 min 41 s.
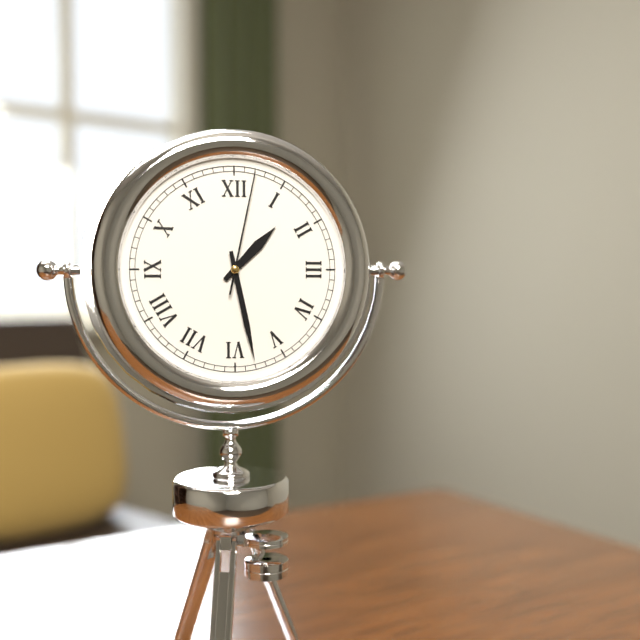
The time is 1 h 28 min 02 s
